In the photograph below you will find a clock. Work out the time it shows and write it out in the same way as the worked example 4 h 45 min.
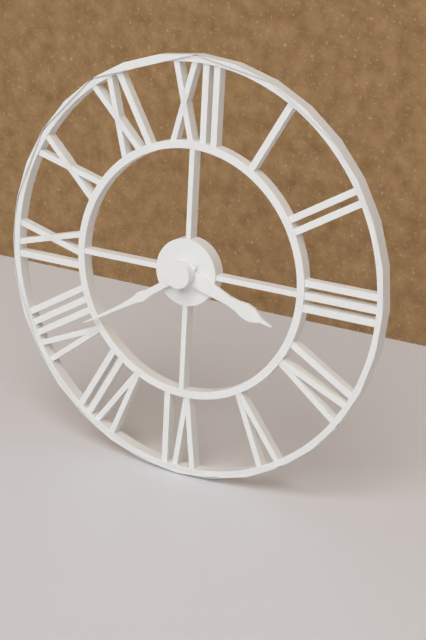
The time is 3 h 39 min
